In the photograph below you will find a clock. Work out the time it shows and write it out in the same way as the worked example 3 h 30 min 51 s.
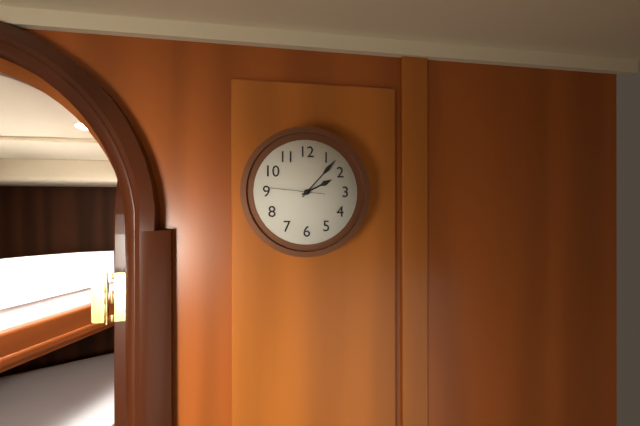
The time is 2 h 07 min 46 s
